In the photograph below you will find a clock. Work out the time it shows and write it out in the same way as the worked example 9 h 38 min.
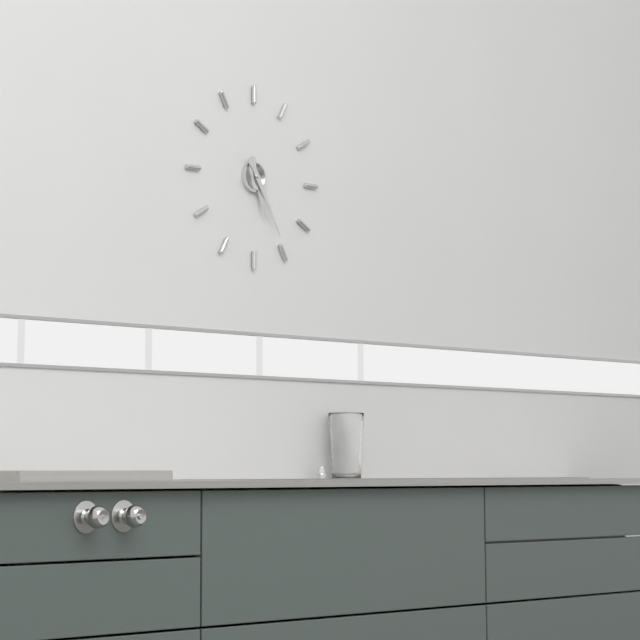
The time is 5 h 25 min
